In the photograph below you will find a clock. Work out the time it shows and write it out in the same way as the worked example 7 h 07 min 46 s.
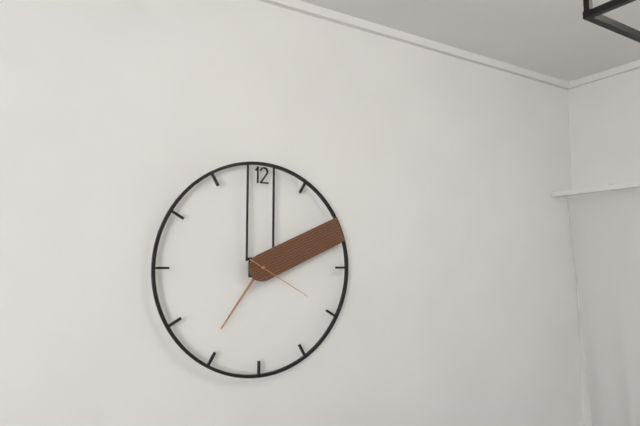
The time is 7 h 11 min 20 s
